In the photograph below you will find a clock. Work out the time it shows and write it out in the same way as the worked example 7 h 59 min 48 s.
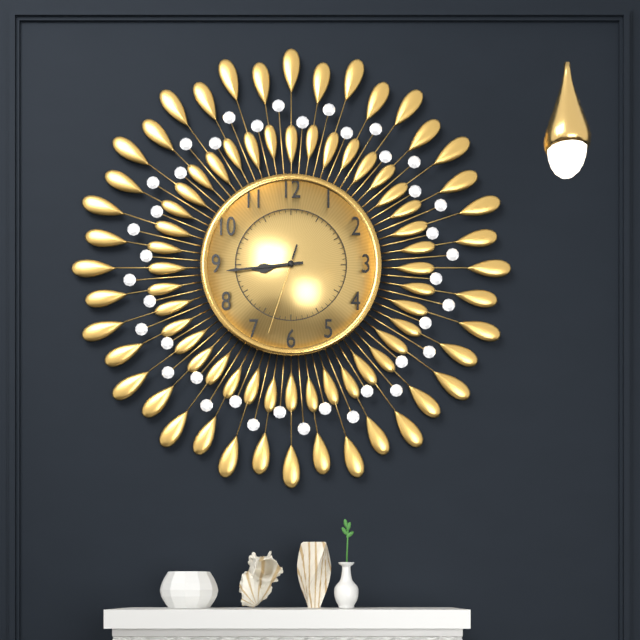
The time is 8 h 44 min 33 s
